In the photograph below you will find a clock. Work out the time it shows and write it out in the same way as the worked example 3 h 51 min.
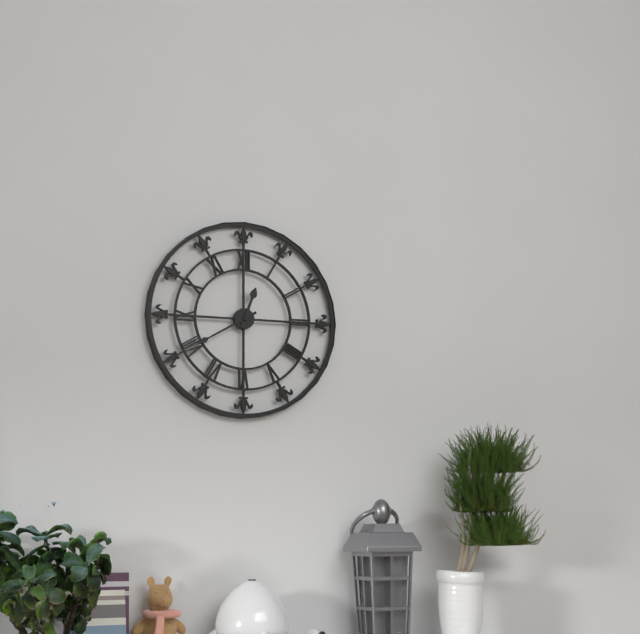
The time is 12 h 40 min
